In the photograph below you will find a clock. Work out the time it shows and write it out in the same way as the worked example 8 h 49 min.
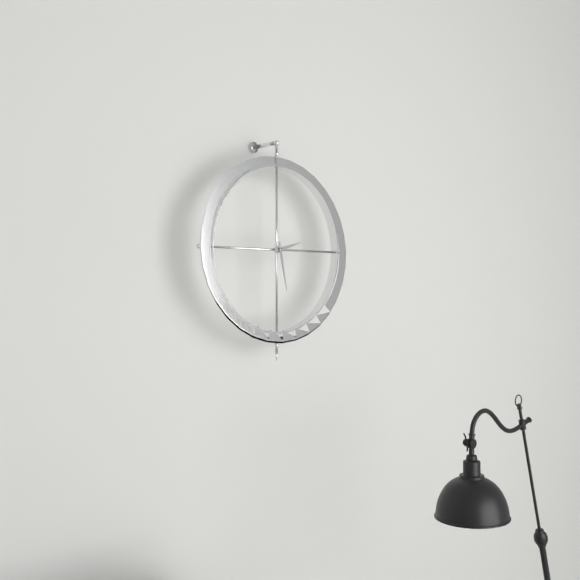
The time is 2 h 28 min
